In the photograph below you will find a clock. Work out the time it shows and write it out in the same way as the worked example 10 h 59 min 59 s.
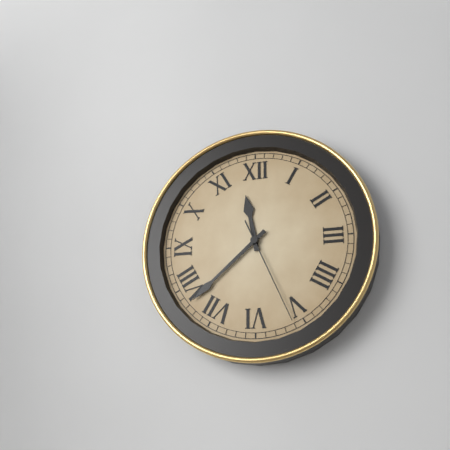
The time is 11 h 38 min 26 s
